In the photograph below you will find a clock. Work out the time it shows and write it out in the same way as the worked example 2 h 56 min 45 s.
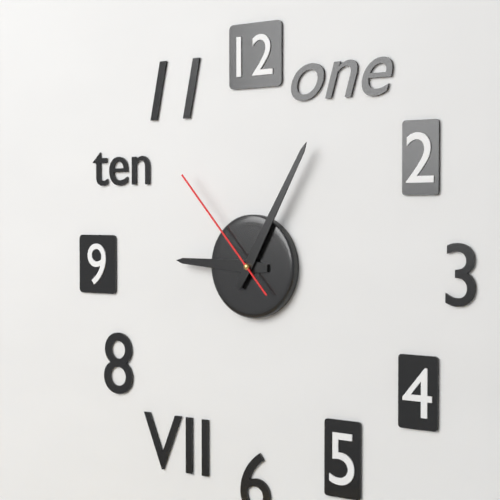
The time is 9 h 05 min 53 s
